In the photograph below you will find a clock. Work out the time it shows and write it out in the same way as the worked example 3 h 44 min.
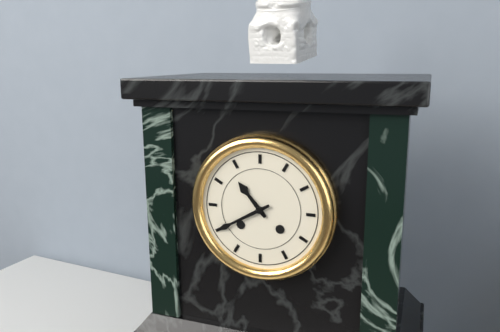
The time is 10 h 40 min
